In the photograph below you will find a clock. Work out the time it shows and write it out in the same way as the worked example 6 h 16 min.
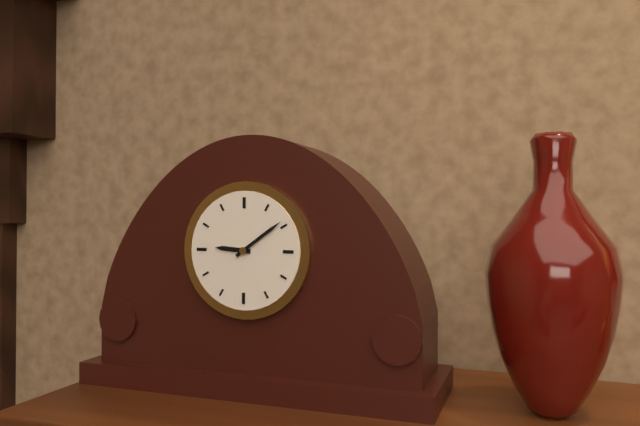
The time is 9 h 09 min
